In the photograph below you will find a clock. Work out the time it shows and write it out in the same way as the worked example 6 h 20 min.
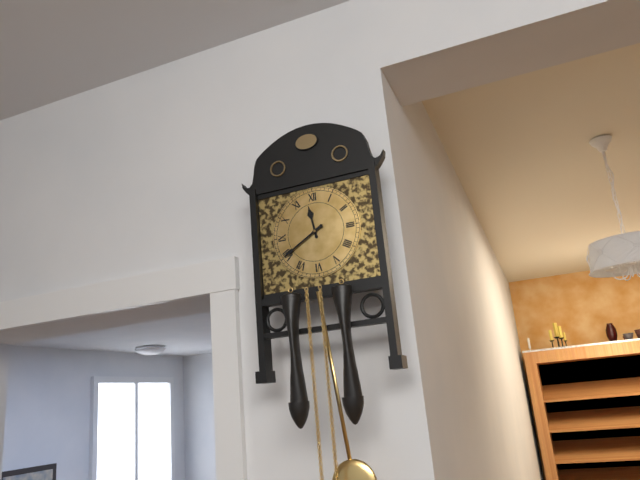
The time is 11 h 40 min
